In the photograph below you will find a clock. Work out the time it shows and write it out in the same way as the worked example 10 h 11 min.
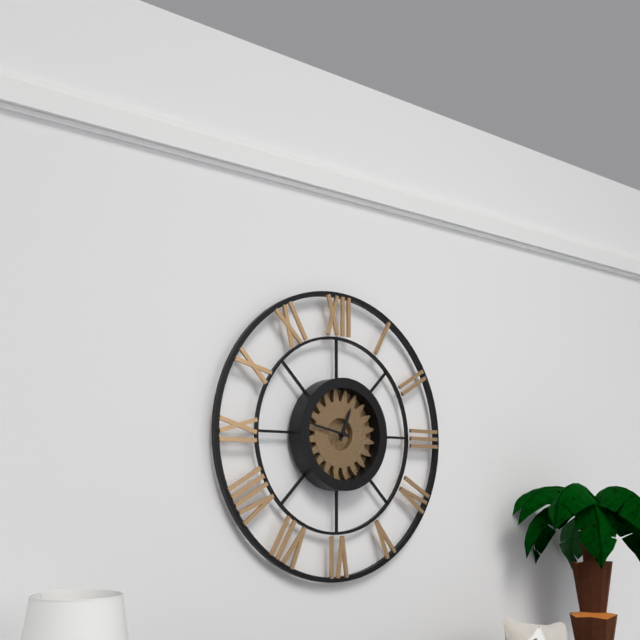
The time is 12 h 47 min
